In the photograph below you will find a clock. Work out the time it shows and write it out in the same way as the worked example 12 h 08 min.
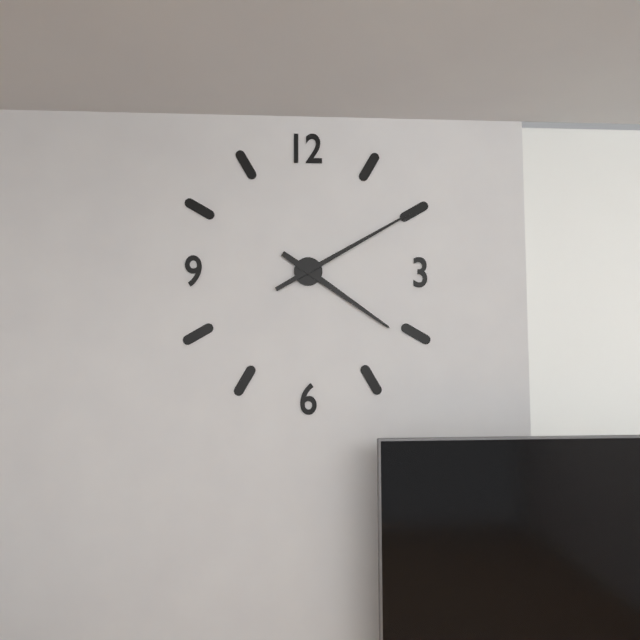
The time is 4 h 10 min
